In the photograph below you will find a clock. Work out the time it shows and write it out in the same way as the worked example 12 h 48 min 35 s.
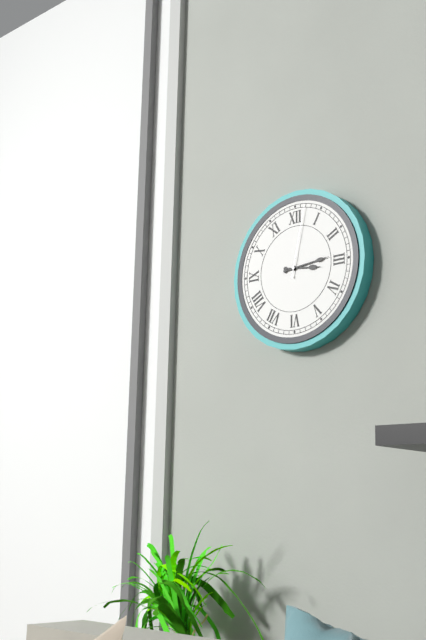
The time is 3 h 14 min 02 s
